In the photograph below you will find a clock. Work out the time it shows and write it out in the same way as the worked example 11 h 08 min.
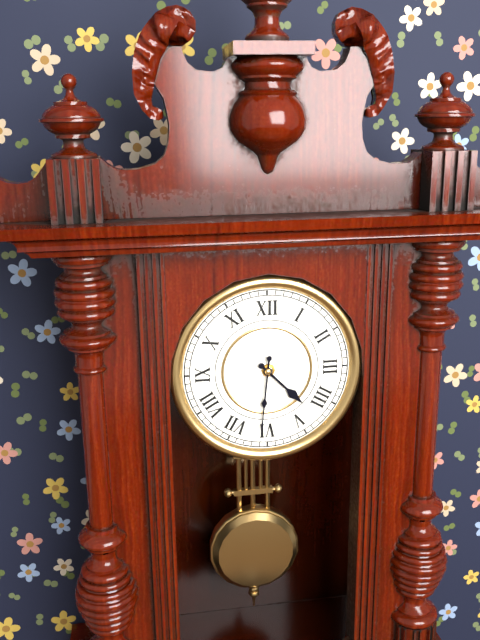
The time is 4 h 31 min
